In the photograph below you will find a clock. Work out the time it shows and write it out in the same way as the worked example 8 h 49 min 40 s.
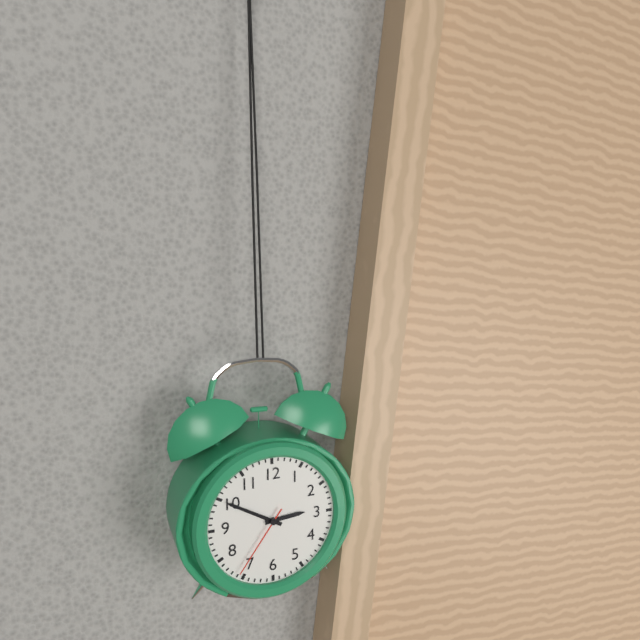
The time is 2 h 50 min 36 s
